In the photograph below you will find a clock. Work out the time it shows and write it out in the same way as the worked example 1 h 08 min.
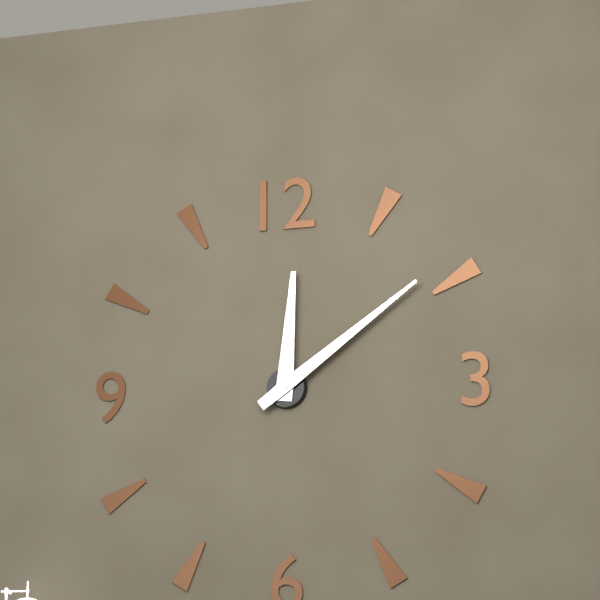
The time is 12 h 09 min
